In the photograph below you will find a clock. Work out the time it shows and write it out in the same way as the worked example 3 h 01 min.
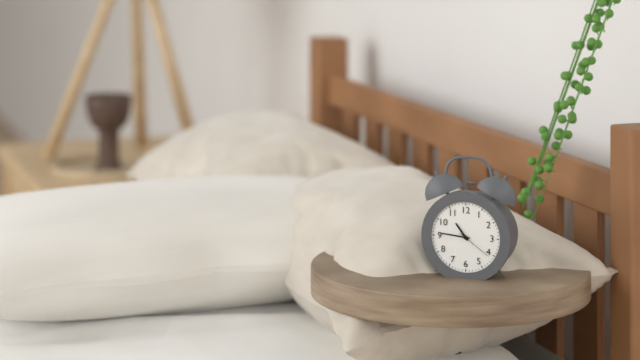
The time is 10 h 46 min
